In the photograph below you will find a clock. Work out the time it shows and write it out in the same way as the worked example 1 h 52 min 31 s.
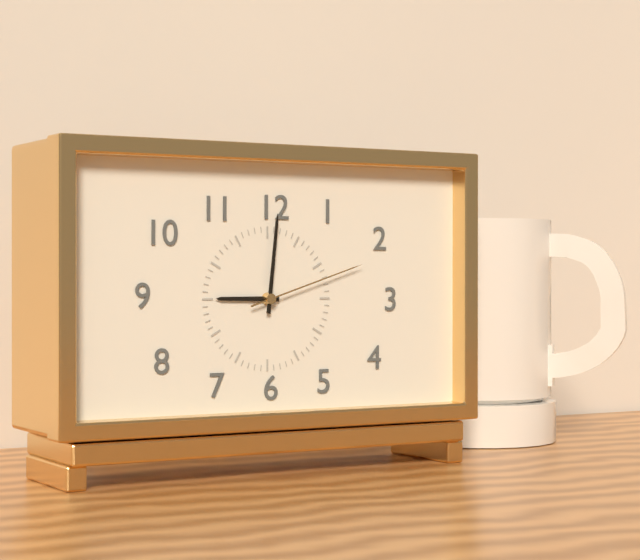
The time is 9 h 01 min 12 s
